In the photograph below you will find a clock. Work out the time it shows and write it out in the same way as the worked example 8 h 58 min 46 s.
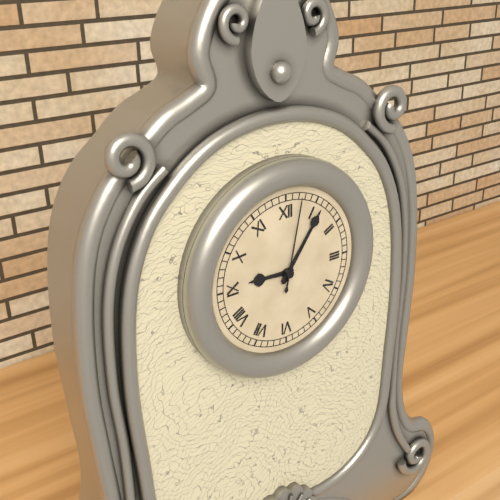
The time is 9 h 06 min 02 s
